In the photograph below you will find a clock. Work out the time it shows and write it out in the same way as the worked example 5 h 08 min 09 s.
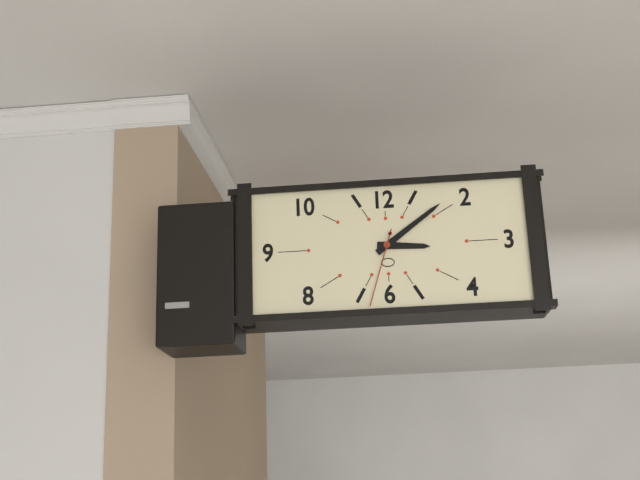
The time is 3 h 09 min 33 s
